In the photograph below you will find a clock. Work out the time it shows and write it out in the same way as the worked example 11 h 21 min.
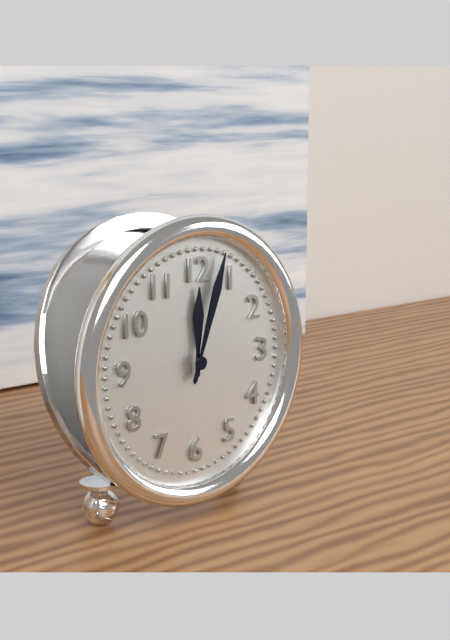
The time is 12 h 03 min
